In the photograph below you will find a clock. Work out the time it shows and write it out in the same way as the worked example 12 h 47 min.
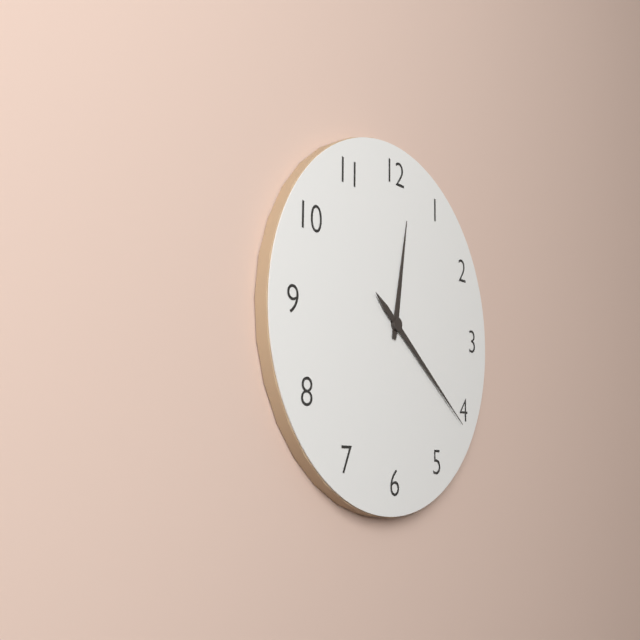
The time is 12 h 21 min
